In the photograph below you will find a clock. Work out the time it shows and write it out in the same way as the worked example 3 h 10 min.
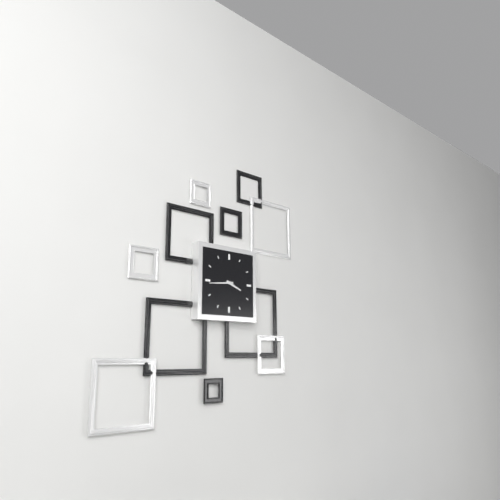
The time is 3 h 44 min
